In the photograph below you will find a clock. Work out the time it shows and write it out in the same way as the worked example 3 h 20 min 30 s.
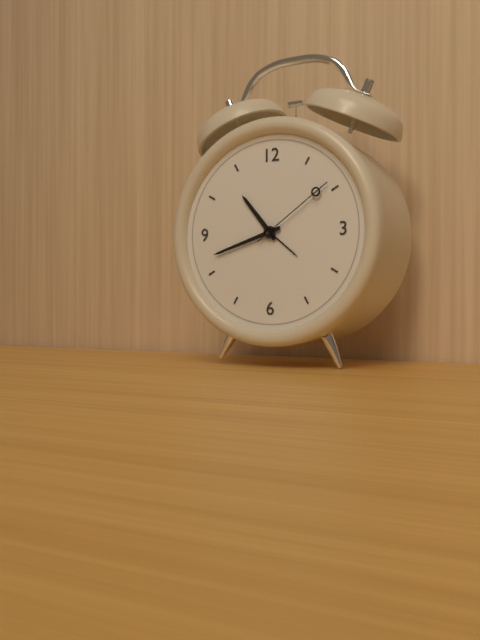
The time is 10 h 42 min 09 s
